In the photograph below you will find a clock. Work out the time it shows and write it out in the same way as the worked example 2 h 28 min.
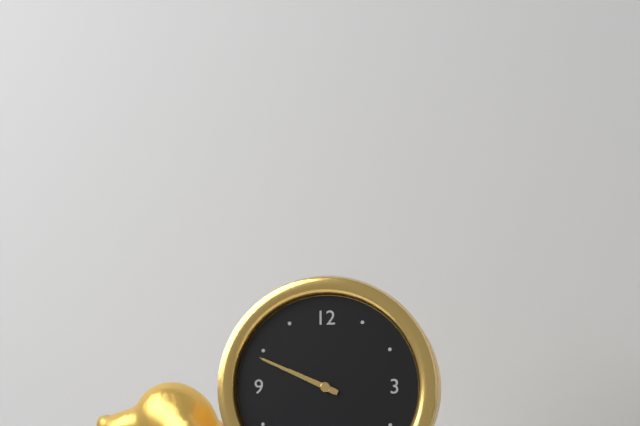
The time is 9 h 49 min
